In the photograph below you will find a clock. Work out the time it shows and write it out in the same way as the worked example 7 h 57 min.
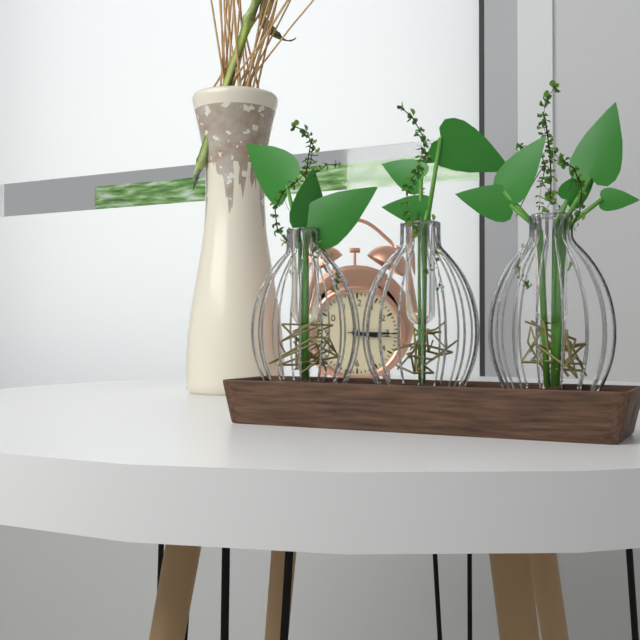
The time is 3 h 15 min
